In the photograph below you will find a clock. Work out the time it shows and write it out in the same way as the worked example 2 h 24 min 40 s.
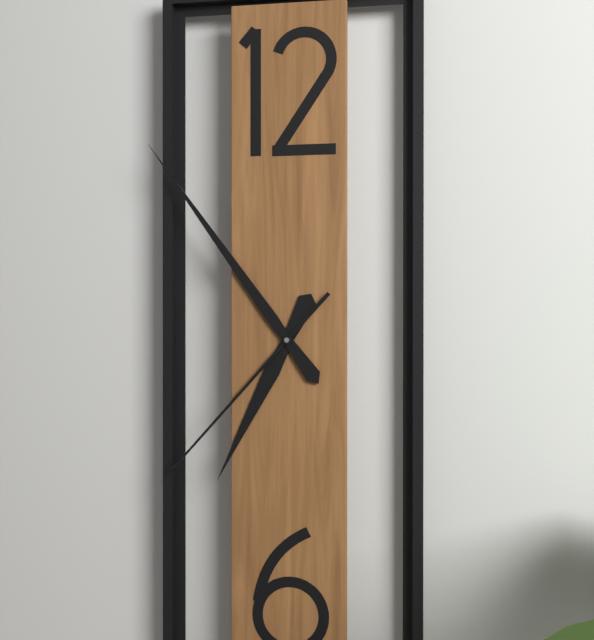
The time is 6 h 54 min 37 s
